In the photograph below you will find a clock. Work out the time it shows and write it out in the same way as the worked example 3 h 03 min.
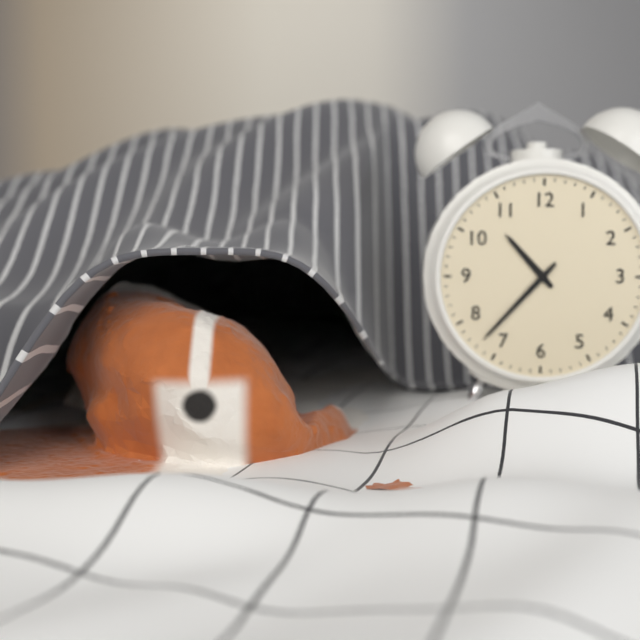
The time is 10 h 37 min
